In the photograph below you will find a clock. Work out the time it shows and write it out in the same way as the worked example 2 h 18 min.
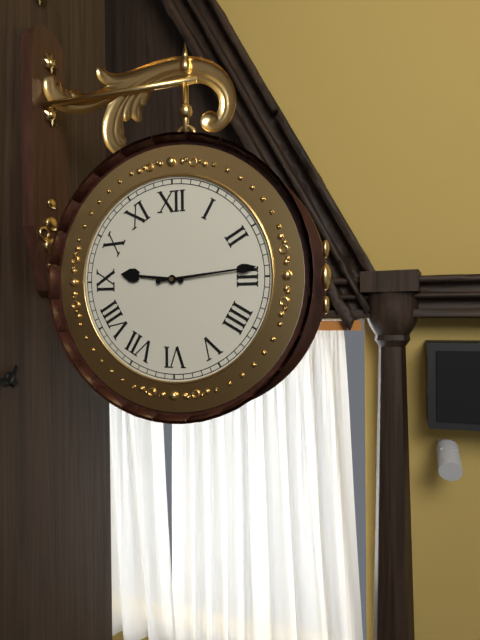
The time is 9 h 14 min
